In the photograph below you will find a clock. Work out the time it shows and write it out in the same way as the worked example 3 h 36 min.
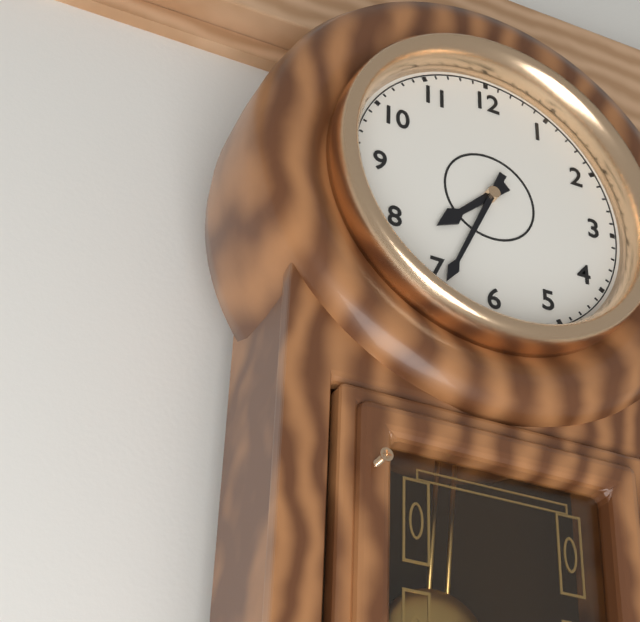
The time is 7 h 34 min
